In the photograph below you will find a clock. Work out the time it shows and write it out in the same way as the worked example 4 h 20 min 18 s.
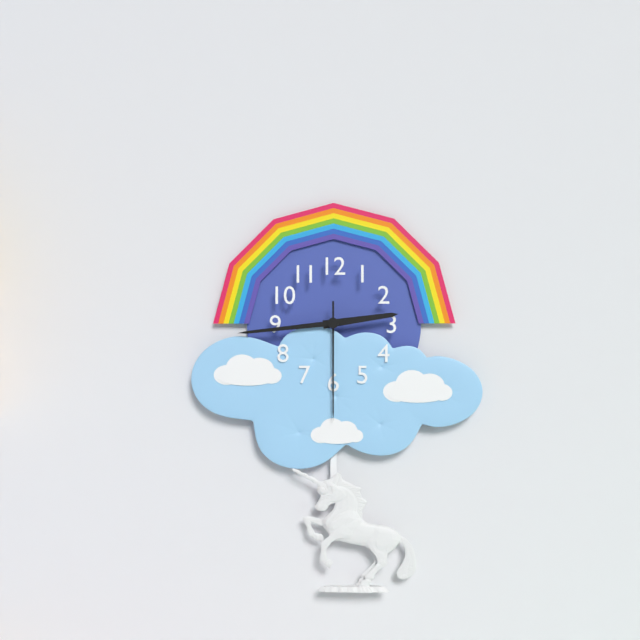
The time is 2 h 44 min 30 s
